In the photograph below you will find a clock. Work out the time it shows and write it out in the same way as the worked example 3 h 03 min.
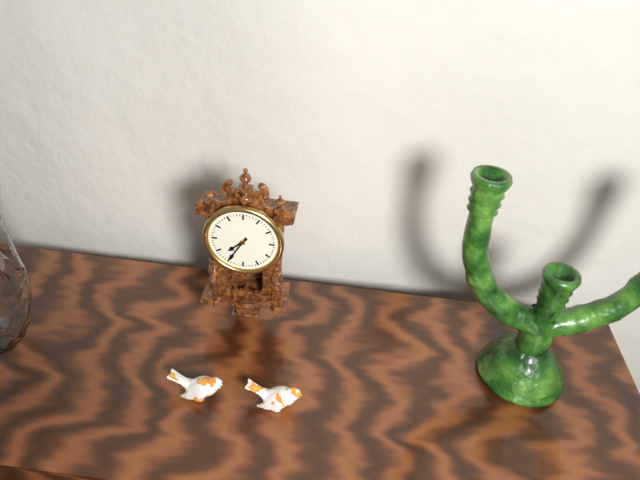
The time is 7 h 35 min
